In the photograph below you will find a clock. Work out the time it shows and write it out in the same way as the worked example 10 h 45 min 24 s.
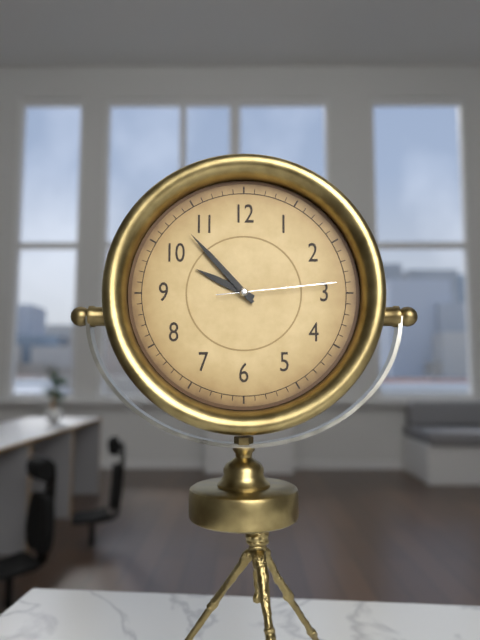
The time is 9 h 53 min 14 s
